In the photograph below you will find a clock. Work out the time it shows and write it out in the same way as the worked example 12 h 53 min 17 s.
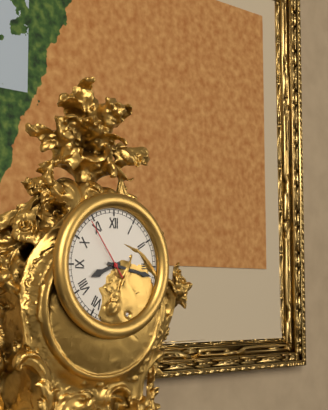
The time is 8 h 17 min 54 s
